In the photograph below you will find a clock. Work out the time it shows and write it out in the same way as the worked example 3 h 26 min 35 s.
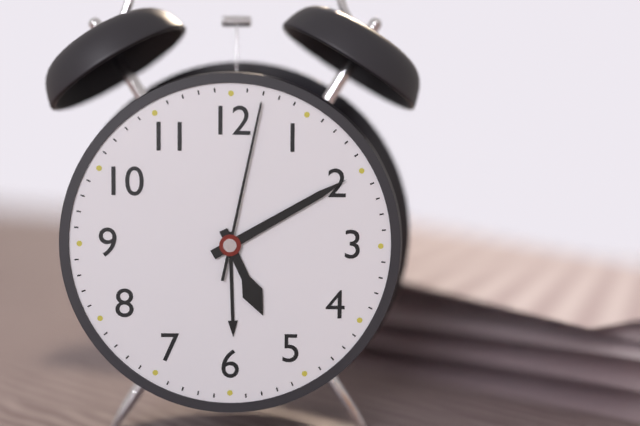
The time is 5 h 10 min 02 s
